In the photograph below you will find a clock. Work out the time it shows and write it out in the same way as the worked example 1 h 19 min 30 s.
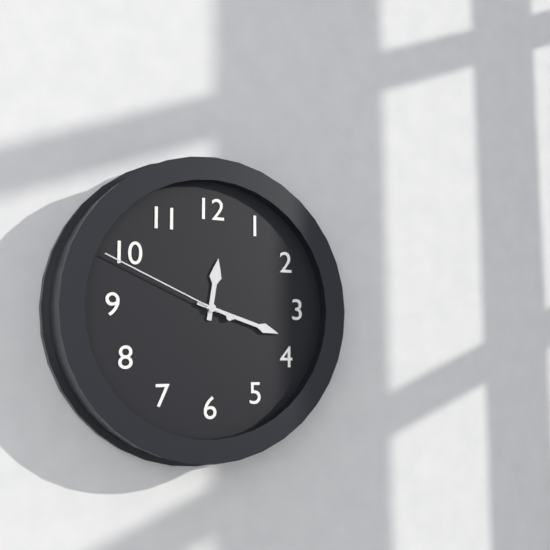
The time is 12 h 18 min 49 s
